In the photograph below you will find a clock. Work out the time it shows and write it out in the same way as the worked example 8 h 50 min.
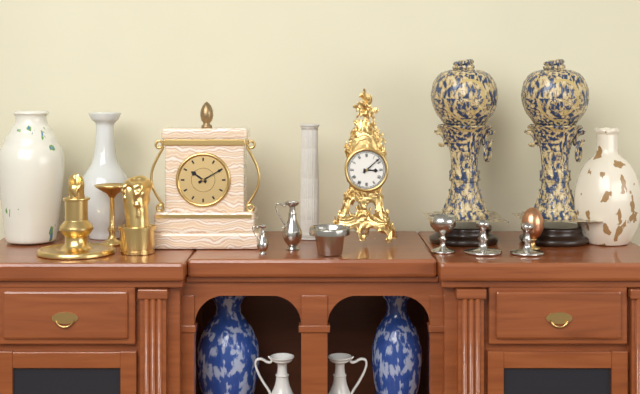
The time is 3 h 08 min
